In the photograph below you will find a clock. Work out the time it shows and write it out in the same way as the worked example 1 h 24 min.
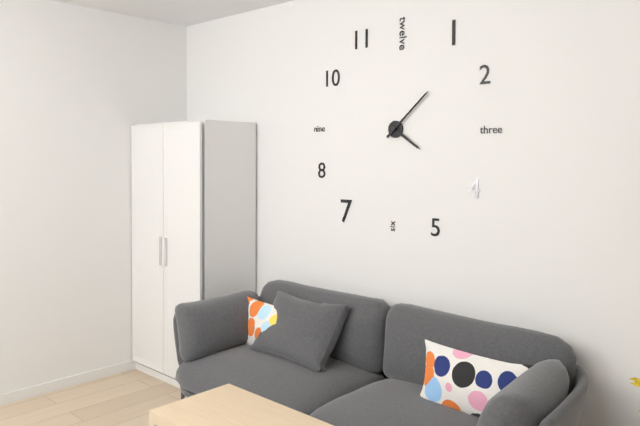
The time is 4 h 08 min
